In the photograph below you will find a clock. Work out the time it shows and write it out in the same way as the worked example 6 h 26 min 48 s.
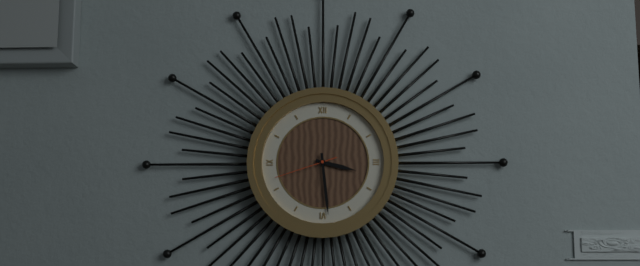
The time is 3 h 29 min 42 s
